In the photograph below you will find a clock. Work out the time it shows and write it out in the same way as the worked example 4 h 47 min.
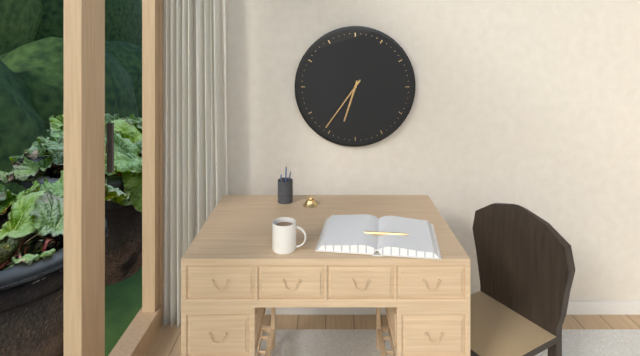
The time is 6 h 36 min
